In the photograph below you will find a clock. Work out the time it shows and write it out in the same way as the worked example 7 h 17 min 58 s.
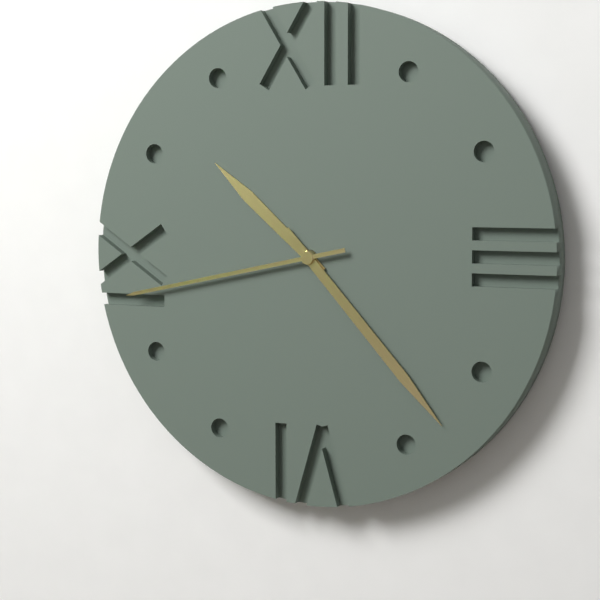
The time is 10 h 23 min 43 s
